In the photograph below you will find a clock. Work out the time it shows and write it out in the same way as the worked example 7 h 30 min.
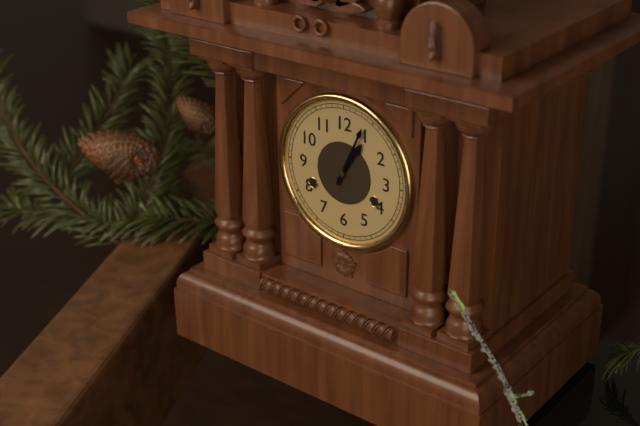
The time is 1 h 04 min
